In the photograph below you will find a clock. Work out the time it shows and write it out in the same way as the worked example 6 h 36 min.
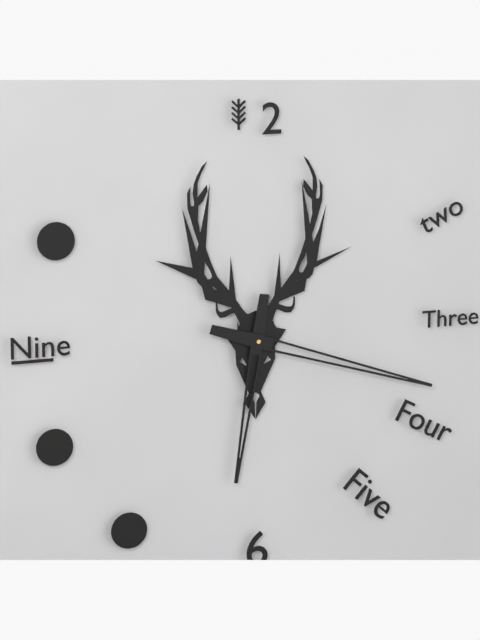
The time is 6 h 18 min
